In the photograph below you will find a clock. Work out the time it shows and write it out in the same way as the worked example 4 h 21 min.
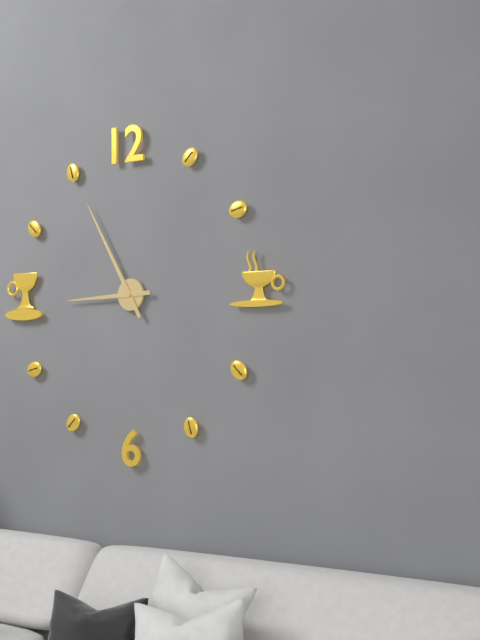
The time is 8 h 55 min
